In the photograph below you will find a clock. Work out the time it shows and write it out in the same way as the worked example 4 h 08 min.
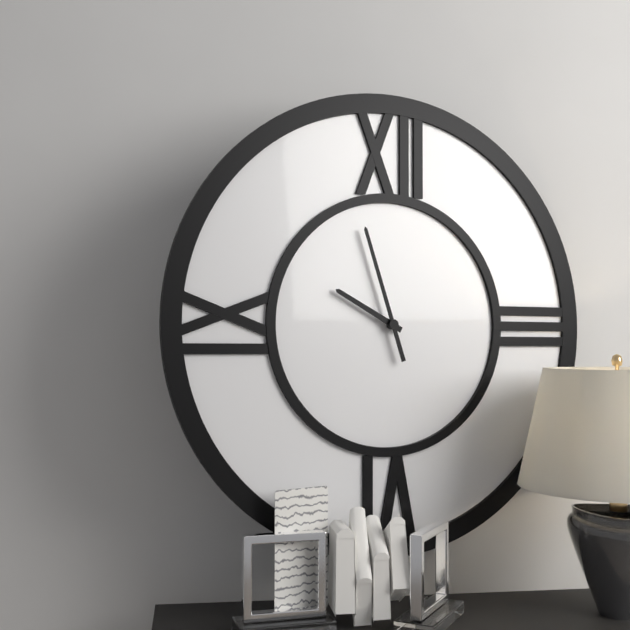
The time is 9 h 57 min
